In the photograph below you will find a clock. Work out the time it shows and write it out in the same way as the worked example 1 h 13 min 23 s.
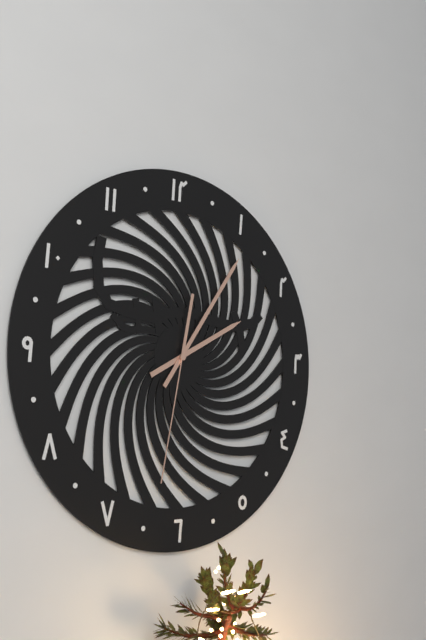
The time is 2 h 06 min 32 s
